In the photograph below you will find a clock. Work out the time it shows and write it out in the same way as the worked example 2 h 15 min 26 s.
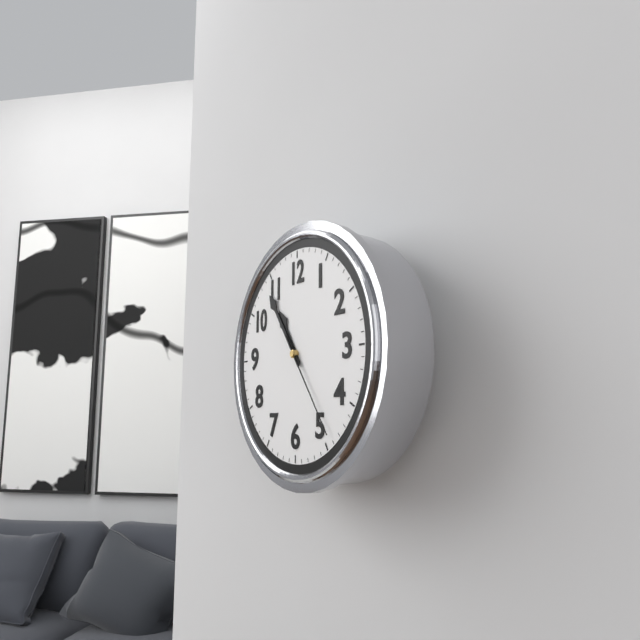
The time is 10 h 54 min 24 s
